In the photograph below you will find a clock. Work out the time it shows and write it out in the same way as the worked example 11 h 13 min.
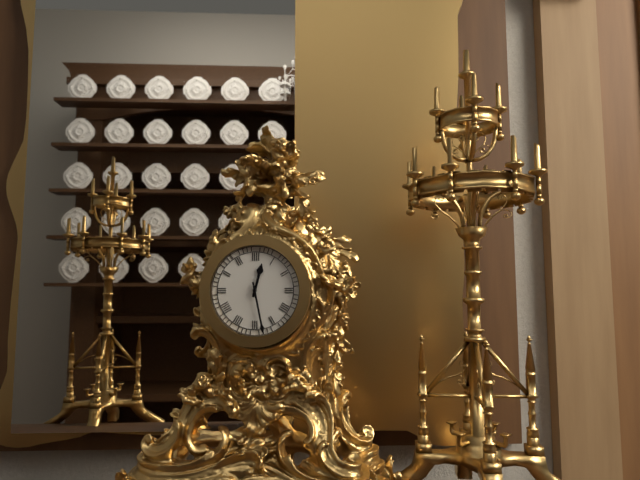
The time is 12 h 28 min
